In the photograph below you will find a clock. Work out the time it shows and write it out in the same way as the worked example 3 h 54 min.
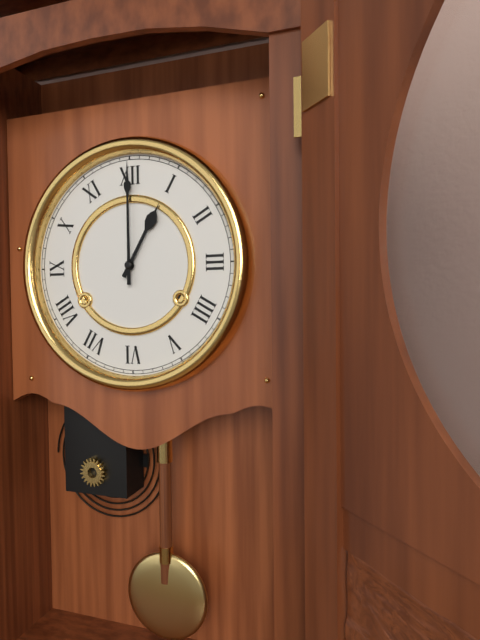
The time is 1 h 00 min
